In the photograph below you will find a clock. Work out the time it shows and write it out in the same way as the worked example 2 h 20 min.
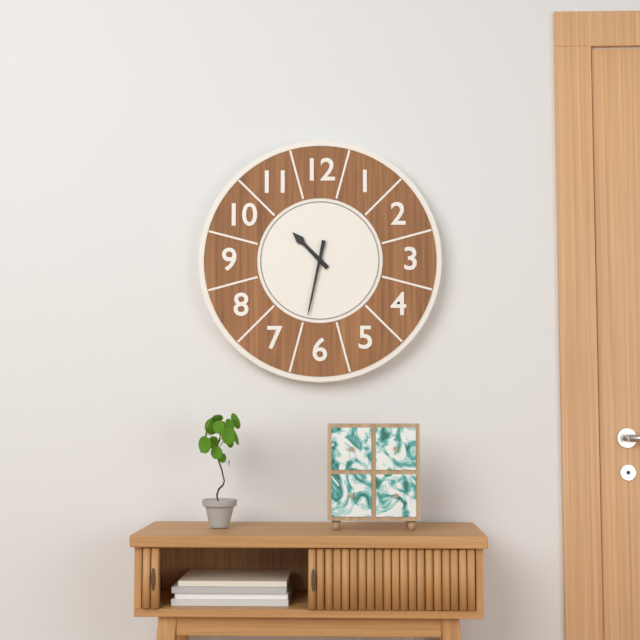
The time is 10 h 32 min
